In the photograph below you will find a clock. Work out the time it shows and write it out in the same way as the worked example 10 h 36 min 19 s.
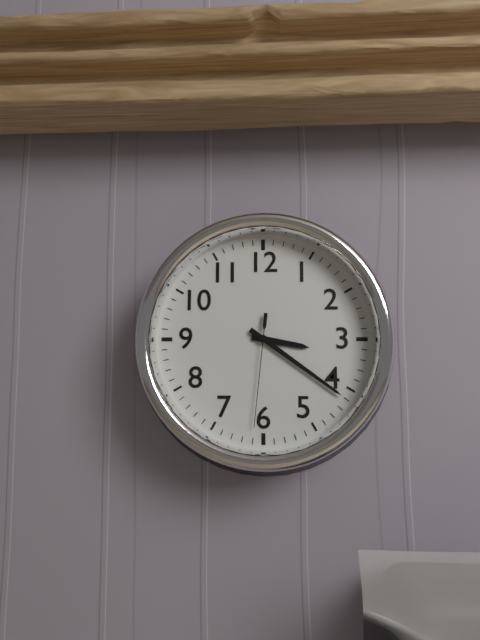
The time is 3 h 21 min 31 s
